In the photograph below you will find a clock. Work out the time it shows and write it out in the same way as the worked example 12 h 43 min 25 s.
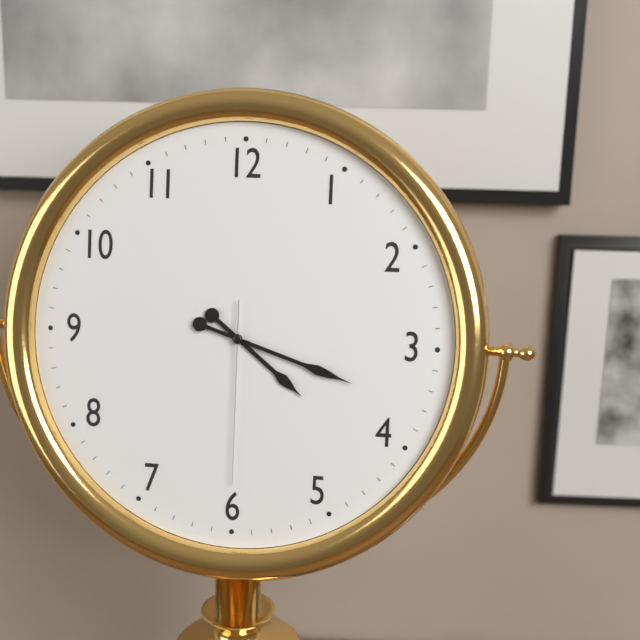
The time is 4 h 18 min 30 s
